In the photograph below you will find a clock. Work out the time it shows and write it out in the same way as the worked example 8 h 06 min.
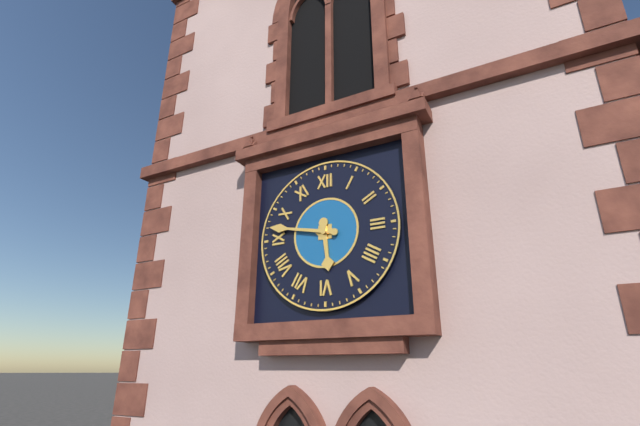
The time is 5 h 47 min
